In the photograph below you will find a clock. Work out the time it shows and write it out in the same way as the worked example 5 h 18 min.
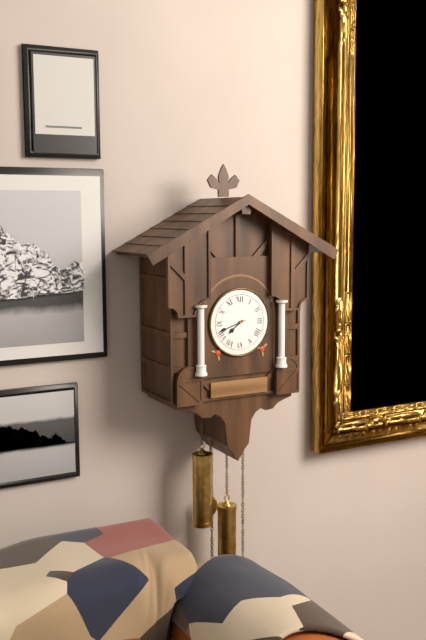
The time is 7 h 42 min
